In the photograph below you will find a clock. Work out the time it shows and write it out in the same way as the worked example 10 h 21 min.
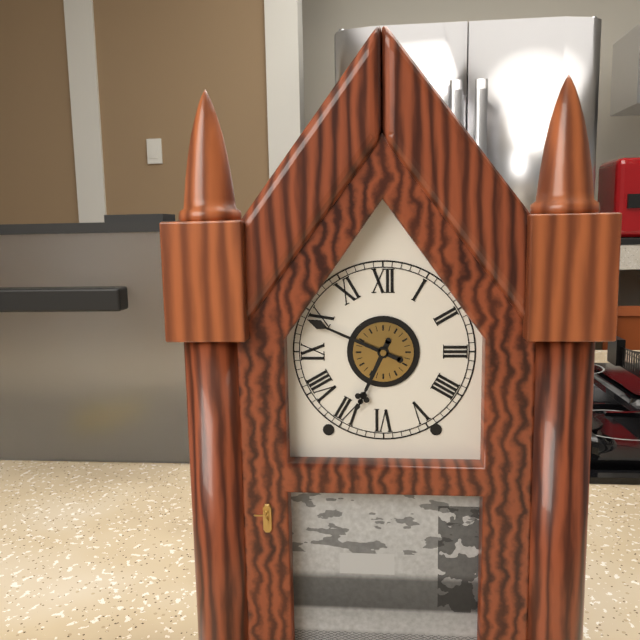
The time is 6 h 49 min
